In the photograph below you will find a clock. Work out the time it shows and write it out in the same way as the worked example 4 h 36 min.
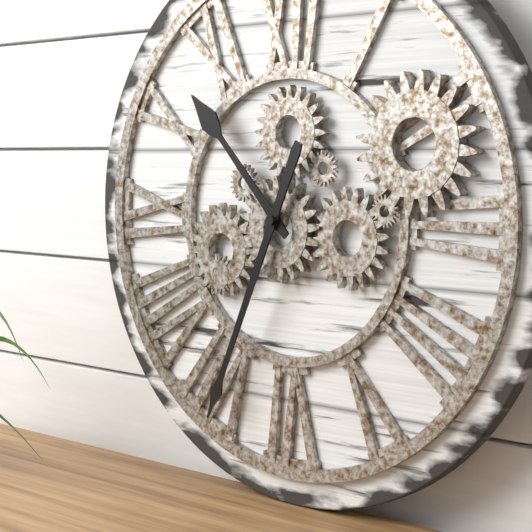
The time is 10 h 34 min
